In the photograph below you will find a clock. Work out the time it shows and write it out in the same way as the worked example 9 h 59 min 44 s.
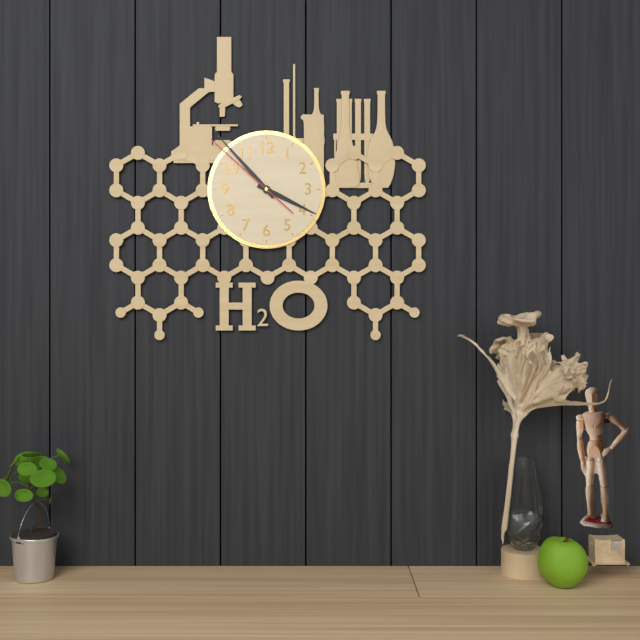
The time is 3 h 53 min 52 s
